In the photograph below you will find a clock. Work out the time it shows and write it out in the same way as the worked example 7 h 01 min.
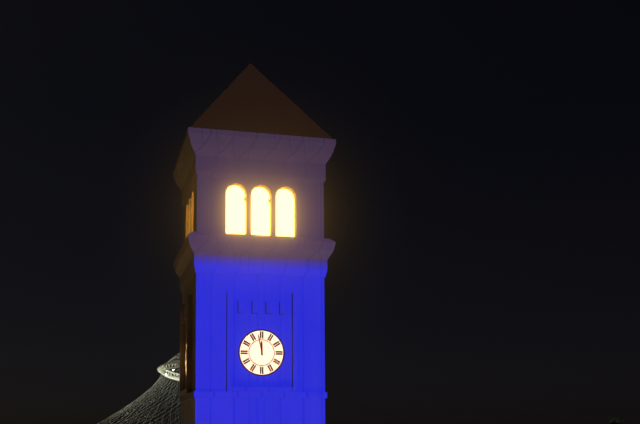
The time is 11 h 58 min
